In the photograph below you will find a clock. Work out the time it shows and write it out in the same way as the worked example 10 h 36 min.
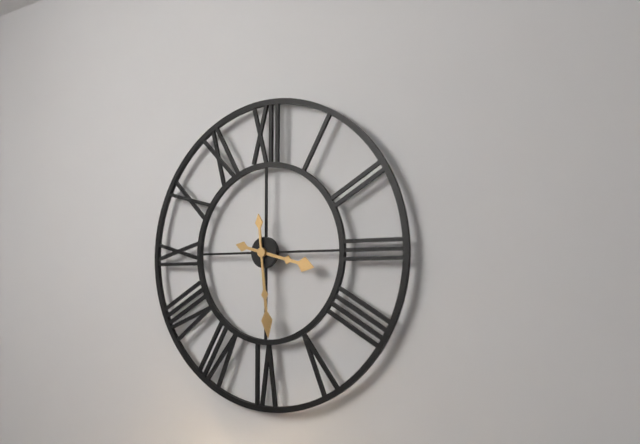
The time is 3 h 29 min
